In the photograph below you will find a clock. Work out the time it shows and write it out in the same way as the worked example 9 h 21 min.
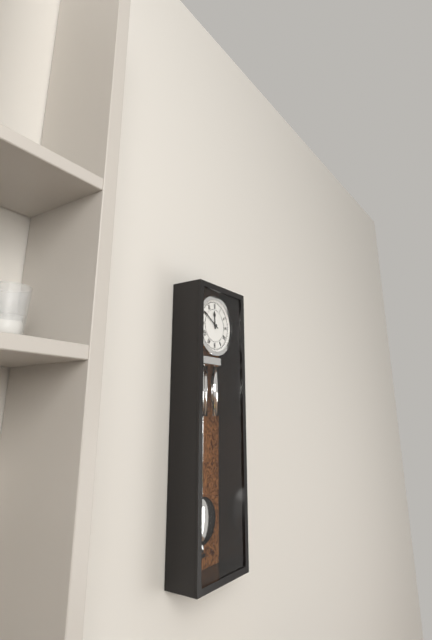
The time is 11 h 50 min
